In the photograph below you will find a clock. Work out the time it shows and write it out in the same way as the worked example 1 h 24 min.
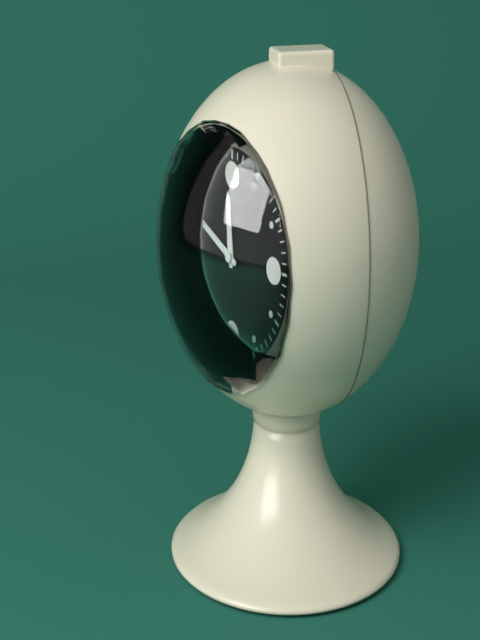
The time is 11 h 49 min
